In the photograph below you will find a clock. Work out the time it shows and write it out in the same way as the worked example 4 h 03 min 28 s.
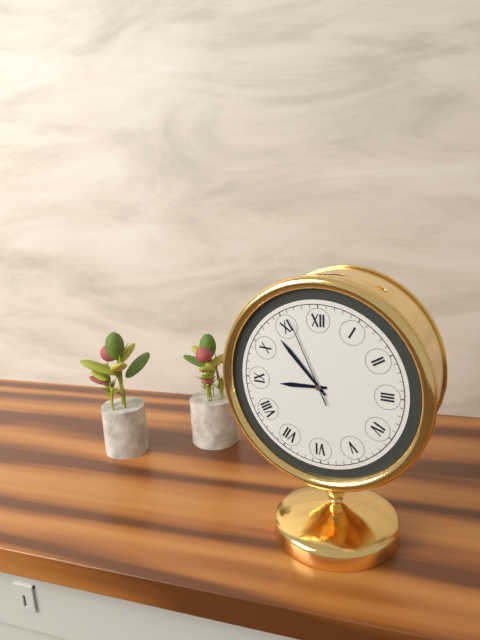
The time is 8 h 53 min 56 s
